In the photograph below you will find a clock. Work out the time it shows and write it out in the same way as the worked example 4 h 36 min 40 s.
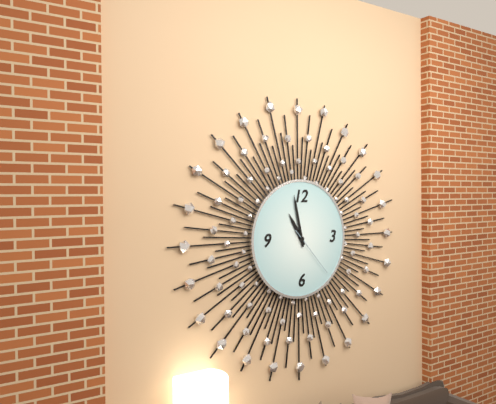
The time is 10 h 58 min 23 s
